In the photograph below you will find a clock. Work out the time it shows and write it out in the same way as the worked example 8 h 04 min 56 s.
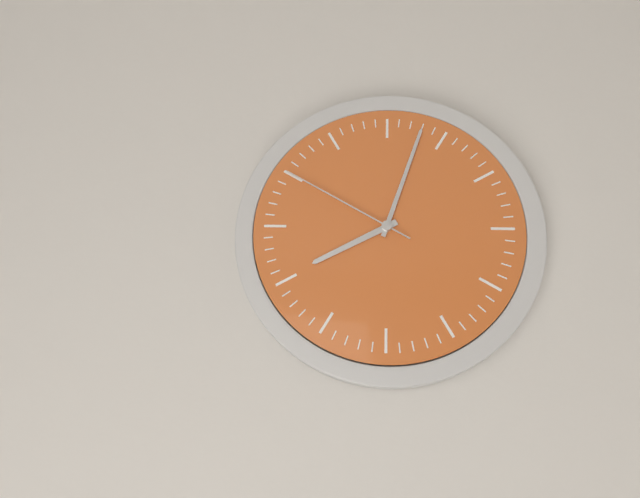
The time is 8 h 03 min 50 s
